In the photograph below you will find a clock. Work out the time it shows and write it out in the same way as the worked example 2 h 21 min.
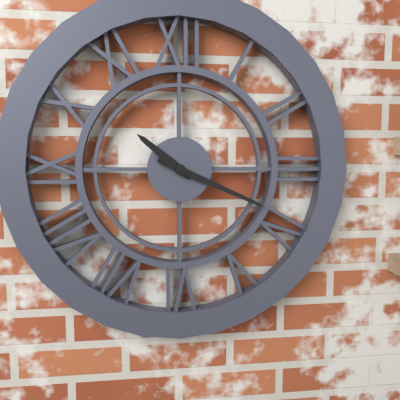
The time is 10 h 19 min
